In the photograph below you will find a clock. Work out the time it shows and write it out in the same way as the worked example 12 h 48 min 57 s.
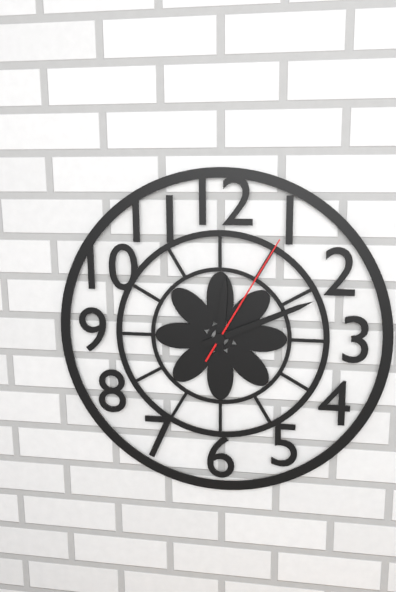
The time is 12 h 11 min 05 s
